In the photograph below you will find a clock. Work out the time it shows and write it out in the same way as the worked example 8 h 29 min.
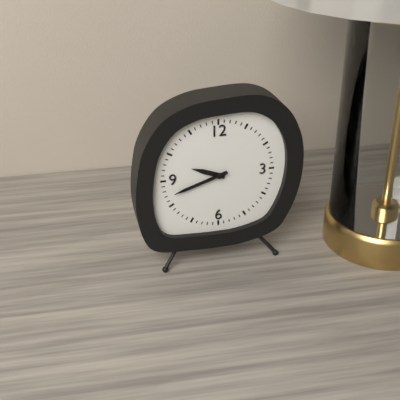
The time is 9 h 42 min
